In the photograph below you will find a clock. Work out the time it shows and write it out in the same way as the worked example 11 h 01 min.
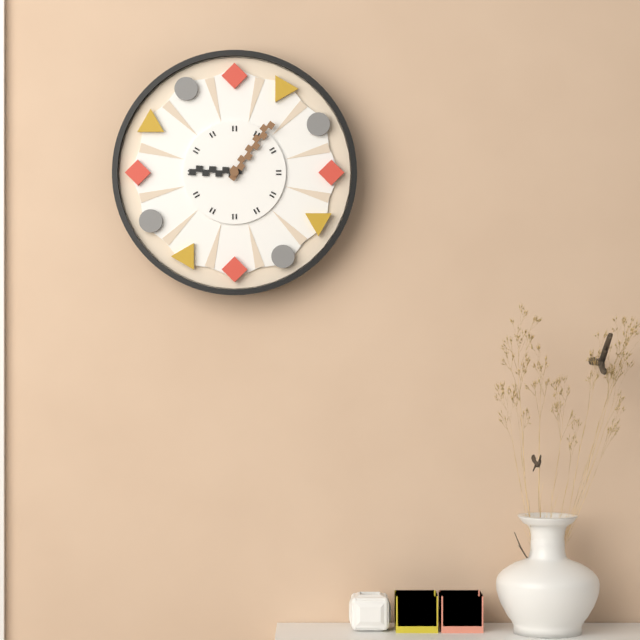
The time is 9 h 06 min
